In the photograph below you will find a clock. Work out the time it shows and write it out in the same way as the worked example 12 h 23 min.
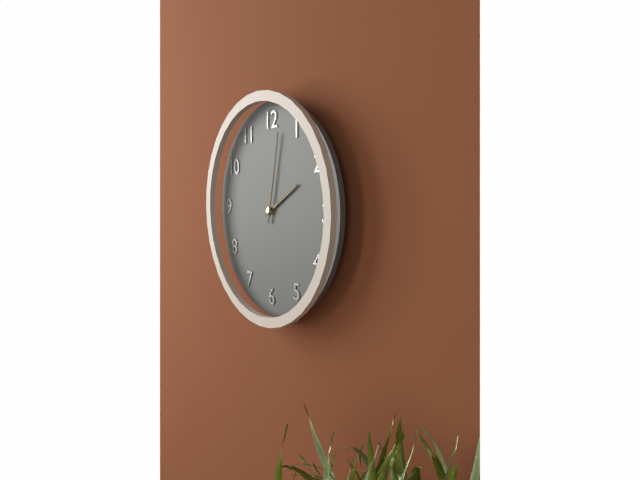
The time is 2 h 02 min
